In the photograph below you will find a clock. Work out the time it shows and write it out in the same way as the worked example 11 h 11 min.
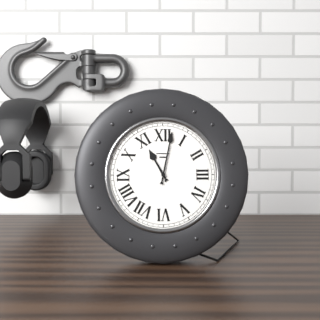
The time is 11 h 02 min
